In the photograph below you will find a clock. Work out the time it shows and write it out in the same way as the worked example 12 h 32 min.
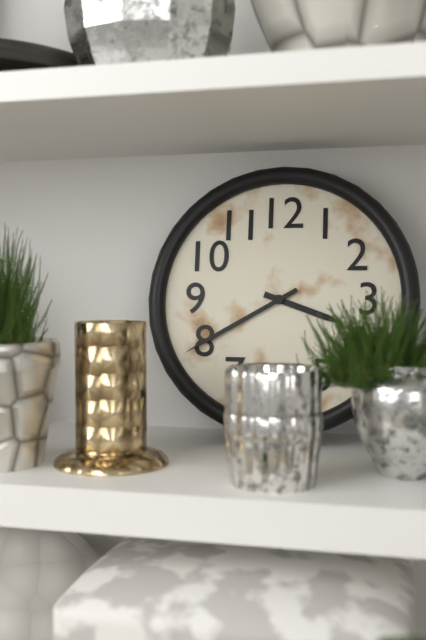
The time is 3 h 40 min
